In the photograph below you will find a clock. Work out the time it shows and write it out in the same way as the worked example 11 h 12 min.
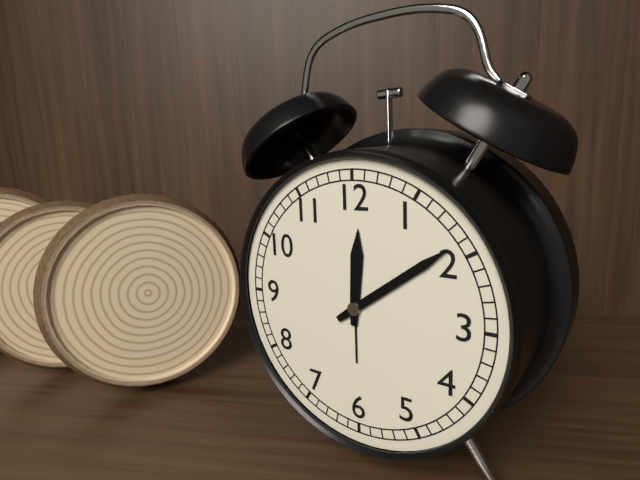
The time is 12 h 09 min
